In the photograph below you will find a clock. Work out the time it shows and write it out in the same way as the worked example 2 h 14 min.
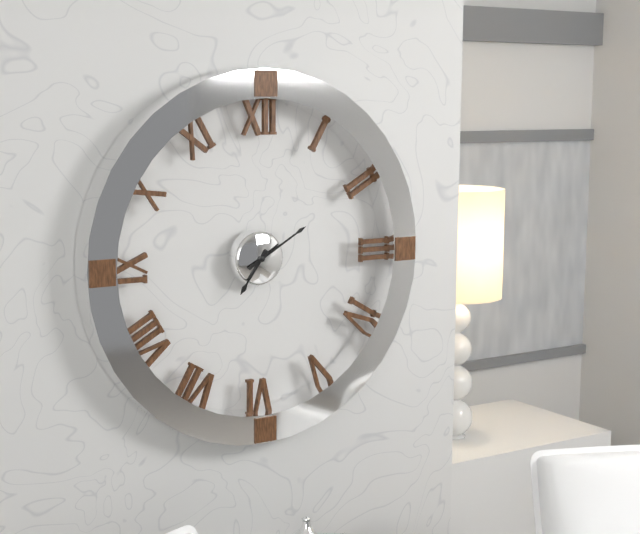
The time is 7 h 10 min
